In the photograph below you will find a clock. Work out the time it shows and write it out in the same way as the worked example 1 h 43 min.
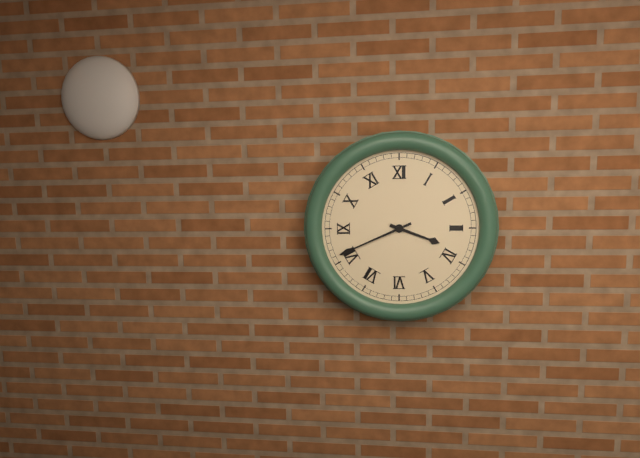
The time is 3 h 41 min
